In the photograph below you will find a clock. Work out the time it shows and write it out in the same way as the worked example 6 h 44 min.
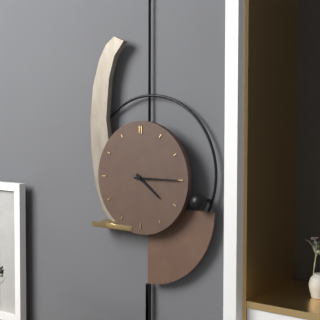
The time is 4 h 15 min
